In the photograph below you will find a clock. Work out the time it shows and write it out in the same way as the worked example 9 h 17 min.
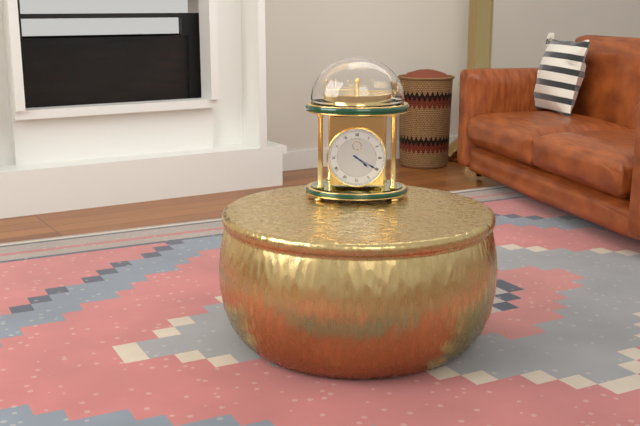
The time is 4 h 20 min
